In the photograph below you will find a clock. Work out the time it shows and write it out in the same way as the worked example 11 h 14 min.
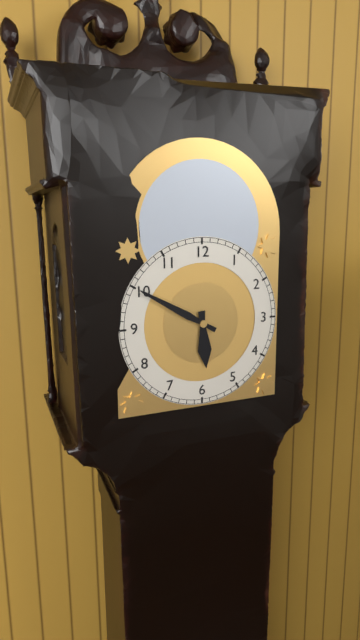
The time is 5 h 50 min
